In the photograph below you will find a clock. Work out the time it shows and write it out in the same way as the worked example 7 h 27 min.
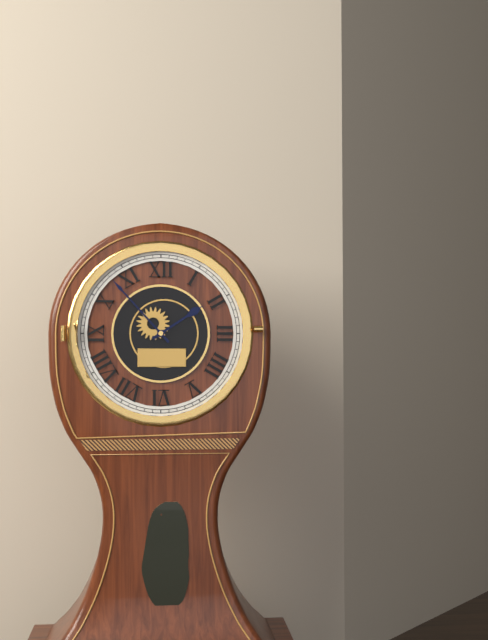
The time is 1 h 53 min
